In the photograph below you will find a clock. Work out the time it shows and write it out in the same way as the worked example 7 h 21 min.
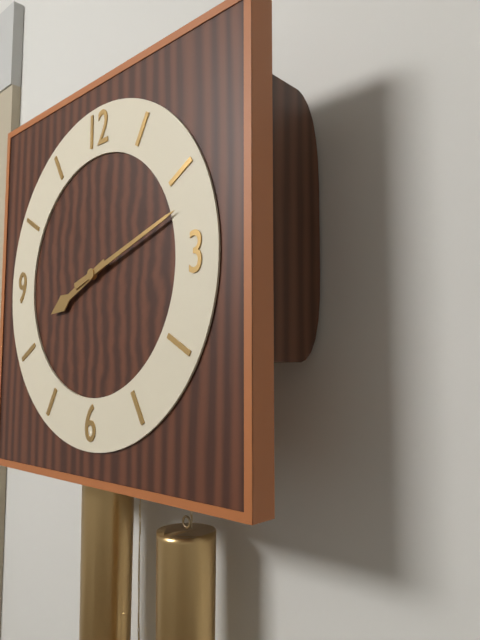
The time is 8 h 12 min
